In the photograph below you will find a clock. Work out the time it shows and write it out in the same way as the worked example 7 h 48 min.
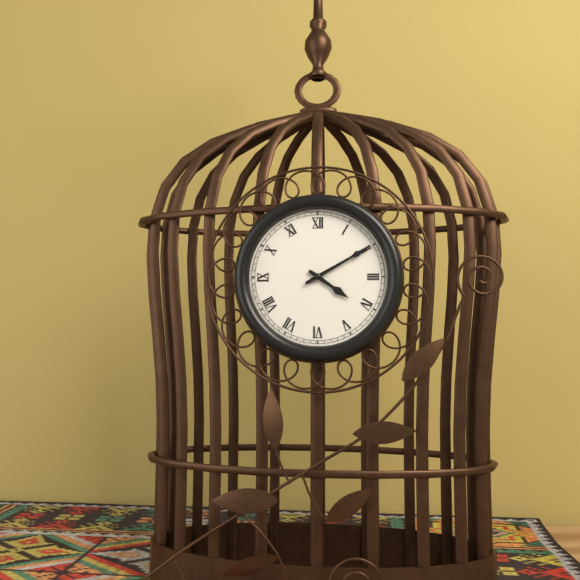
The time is 4 h 10 min
